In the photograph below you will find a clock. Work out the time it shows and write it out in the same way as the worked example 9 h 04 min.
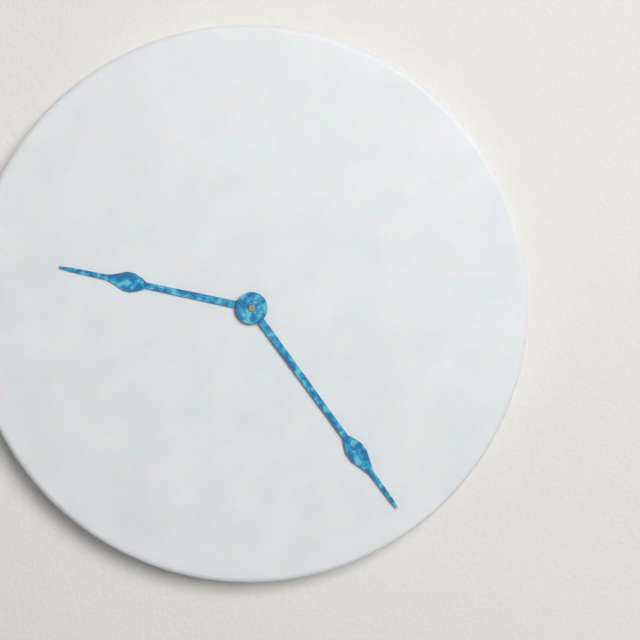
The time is 9 h 24 min
